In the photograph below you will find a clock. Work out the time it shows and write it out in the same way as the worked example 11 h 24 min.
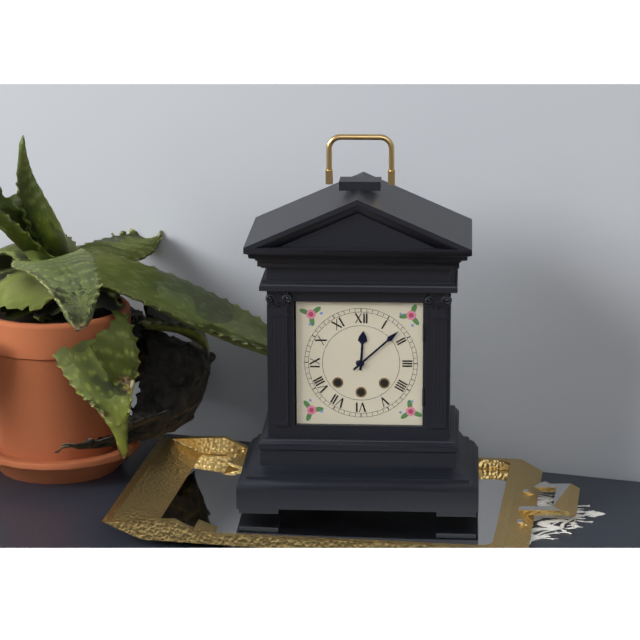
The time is 12 h 08 min
